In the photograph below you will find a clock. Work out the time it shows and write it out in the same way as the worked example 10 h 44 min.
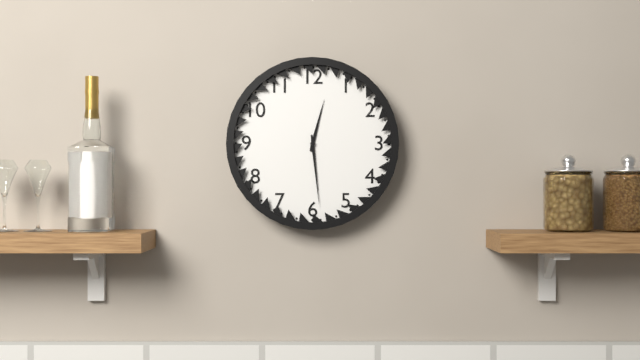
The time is 12 h 29 min
